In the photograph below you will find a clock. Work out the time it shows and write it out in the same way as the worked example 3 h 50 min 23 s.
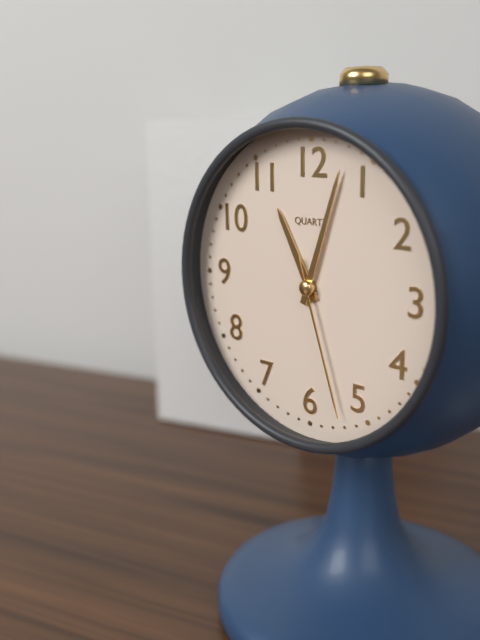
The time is 11 h 03 min 27 s
